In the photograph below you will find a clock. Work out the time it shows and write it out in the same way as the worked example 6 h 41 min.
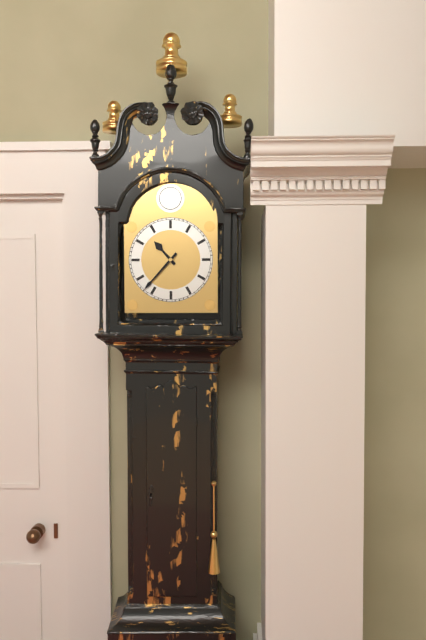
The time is 10 h 37 min
